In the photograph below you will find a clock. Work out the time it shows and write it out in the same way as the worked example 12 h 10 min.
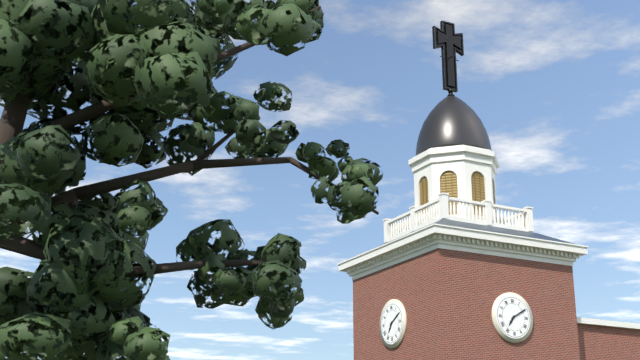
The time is 7 h 10 min
